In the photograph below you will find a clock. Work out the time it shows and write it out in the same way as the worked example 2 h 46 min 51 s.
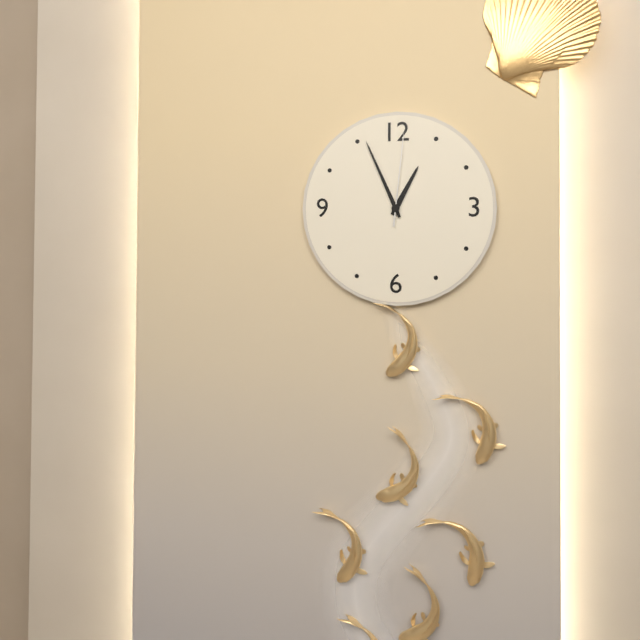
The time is 12 h 56 min 01 s
